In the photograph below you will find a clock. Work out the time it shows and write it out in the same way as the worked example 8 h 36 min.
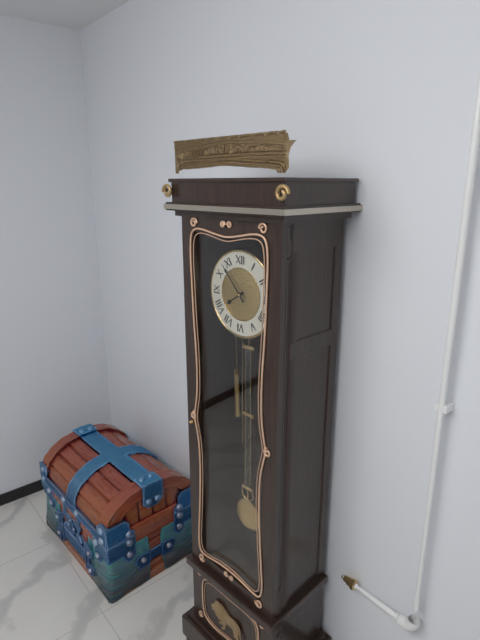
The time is 7 h 53 min
